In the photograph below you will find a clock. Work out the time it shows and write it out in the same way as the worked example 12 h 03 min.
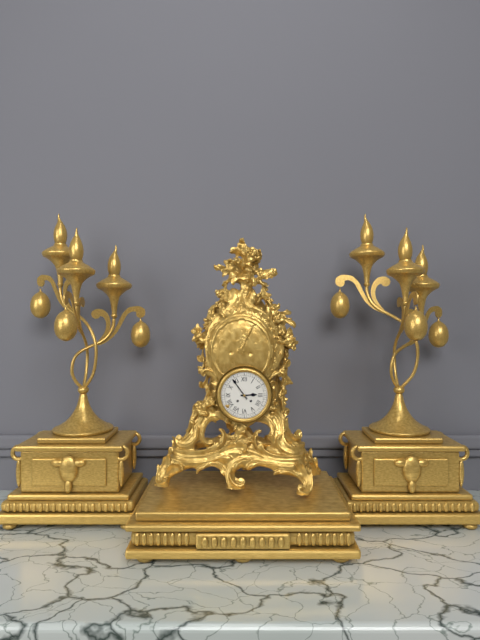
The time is 2 h 54 min
